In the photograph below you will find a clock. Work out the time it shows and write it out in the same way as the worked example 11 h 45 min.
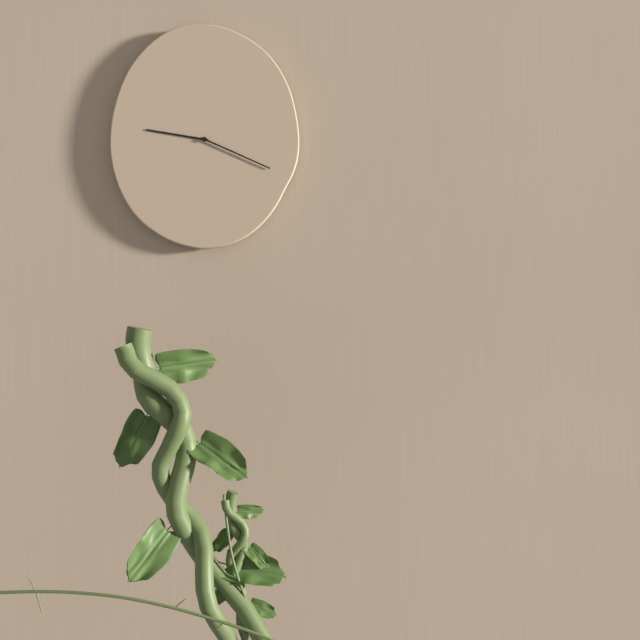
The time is 9 h 19 min
